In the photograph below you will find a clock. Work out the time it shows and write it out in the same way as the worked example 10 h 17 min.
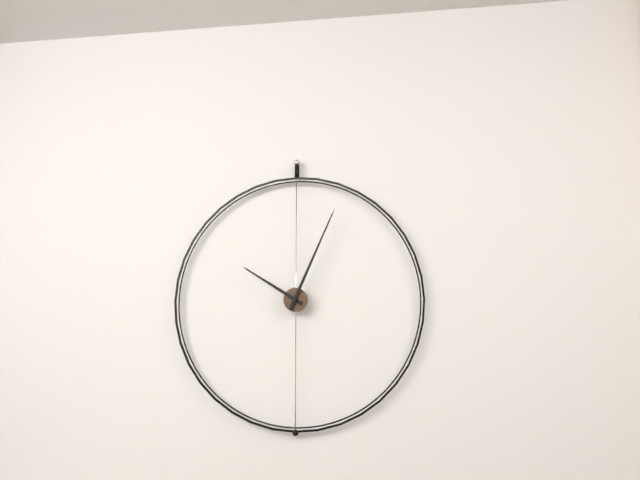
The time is 10 h 04 min
